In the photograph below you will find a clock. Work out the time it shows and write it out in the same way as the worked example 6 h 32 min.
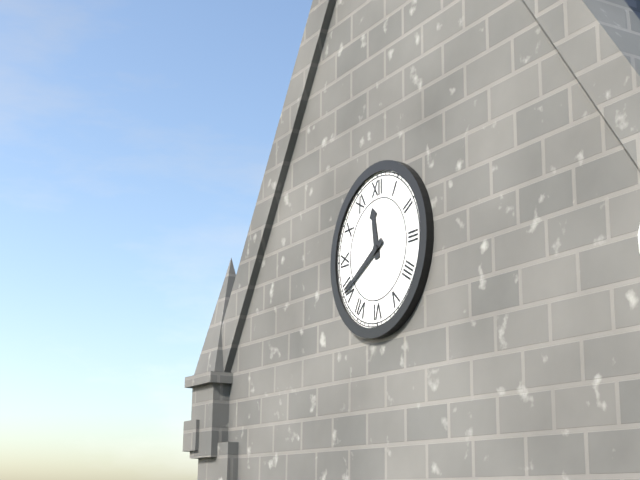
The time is 11 h 40 min
